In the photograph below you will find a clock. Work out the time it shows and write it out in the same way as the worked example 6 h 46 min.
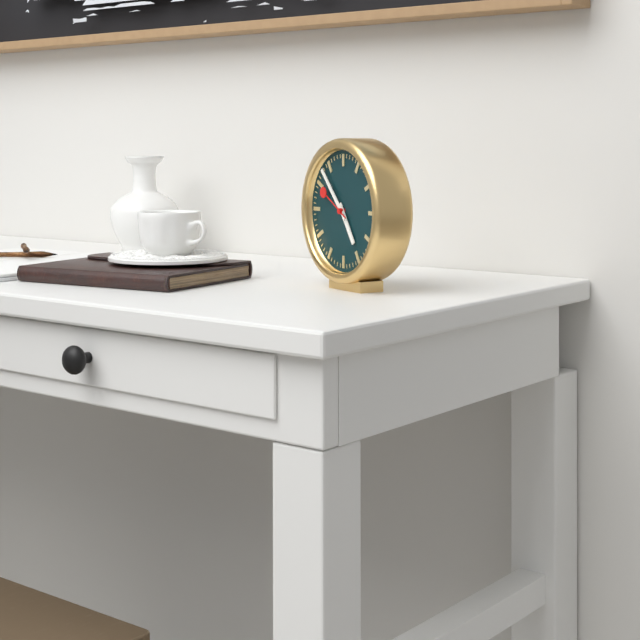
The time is 4 h 53 min
